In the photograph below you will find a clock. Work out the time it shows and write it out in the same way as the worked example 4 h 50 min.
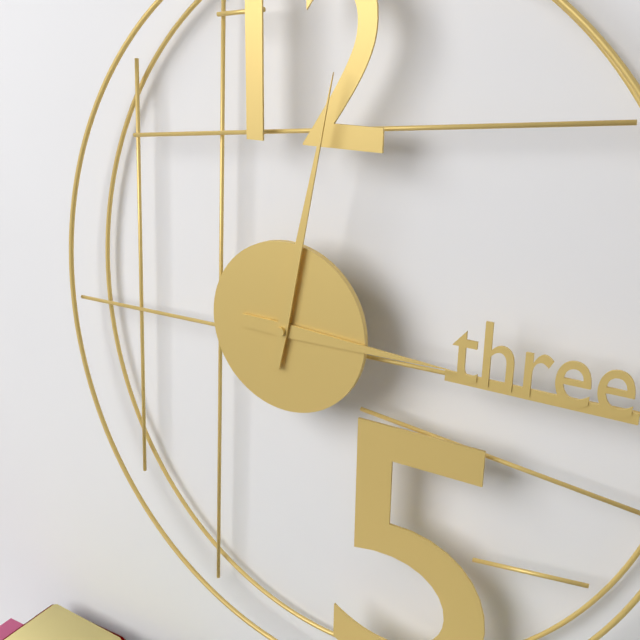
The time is 3 h 02 min
